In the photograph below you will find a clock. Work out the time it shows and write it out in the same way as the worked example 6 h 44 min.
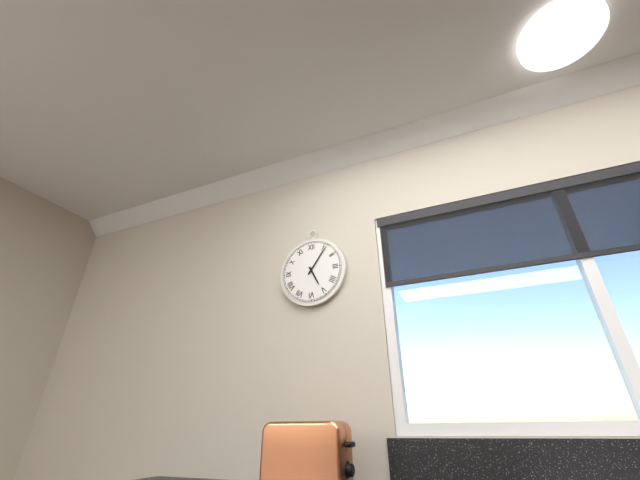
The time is 5 h 06 min
